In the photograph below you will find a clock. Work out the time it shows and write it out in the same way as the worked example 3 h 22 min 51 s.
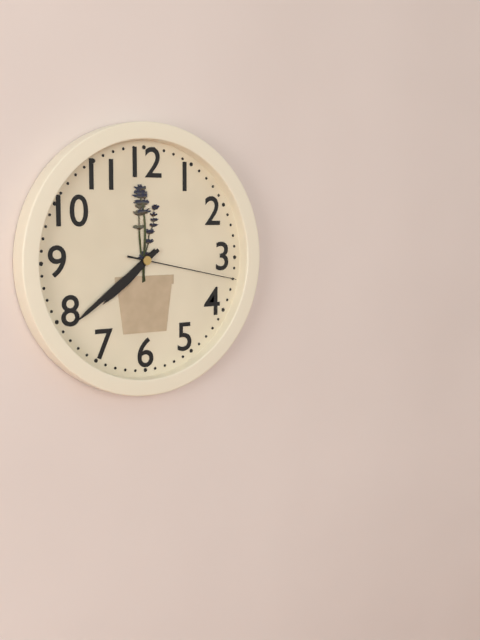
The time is 7 h 39 min 17 s
